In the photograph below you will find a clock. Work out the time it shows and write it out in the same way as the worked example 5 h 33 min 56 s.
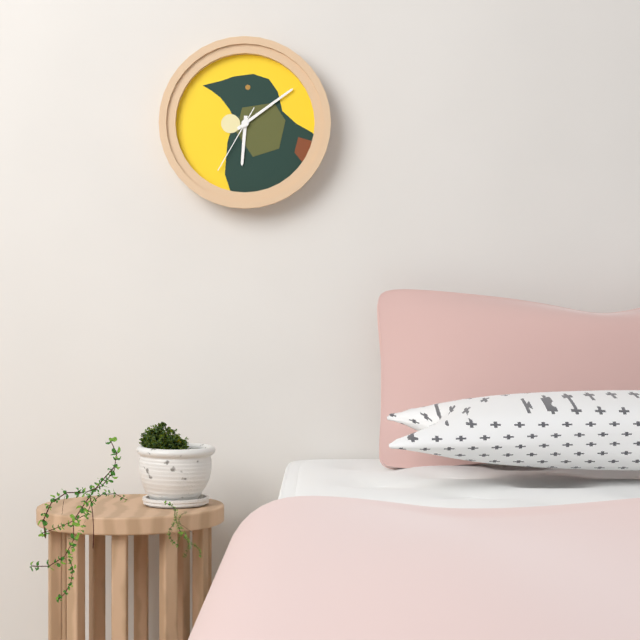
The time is 6 h 09 min 35 s
